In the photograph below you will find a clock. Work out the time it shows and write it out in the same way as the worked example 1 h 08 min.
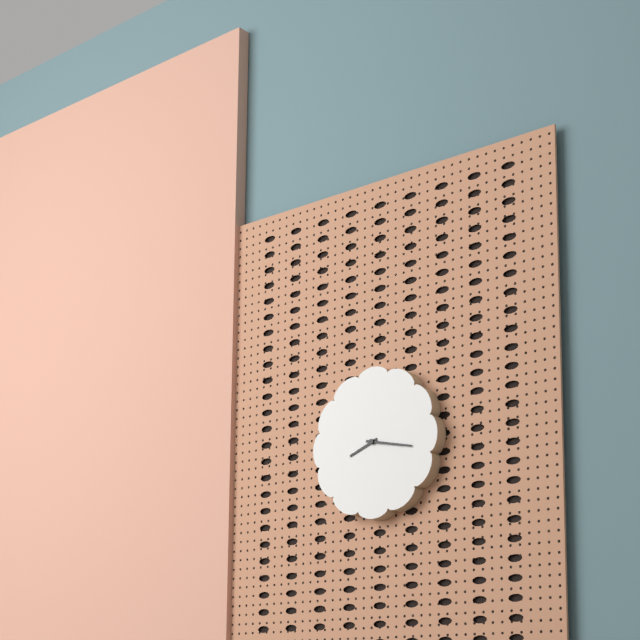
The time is 8 h 17 min
